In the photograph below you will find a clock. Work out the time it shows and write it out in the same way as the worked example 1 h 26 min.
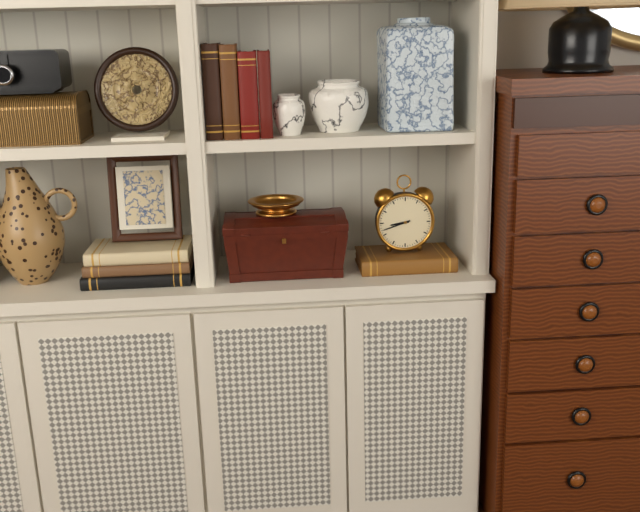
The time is 8 h 42 min
